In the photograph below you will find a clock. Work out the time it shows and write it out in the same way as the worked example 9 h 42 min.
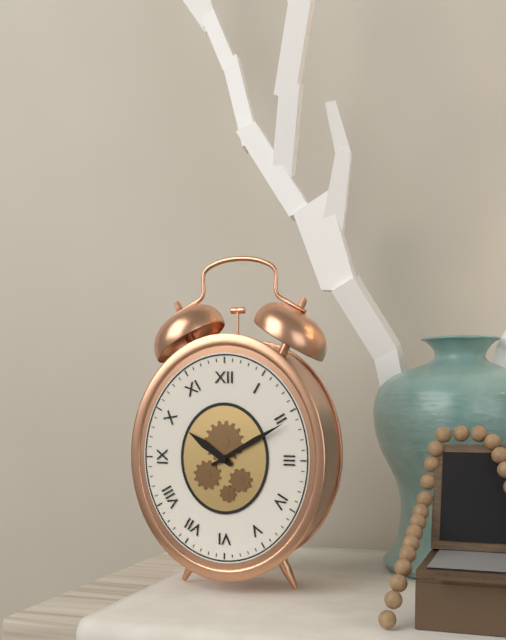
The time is 10 h 10 min
